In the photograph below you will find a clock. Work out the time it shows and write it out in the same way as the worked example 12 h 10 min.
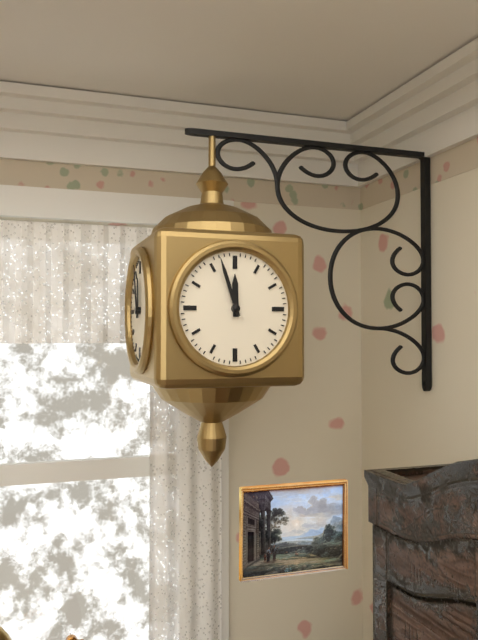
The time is 11 h 57 min
